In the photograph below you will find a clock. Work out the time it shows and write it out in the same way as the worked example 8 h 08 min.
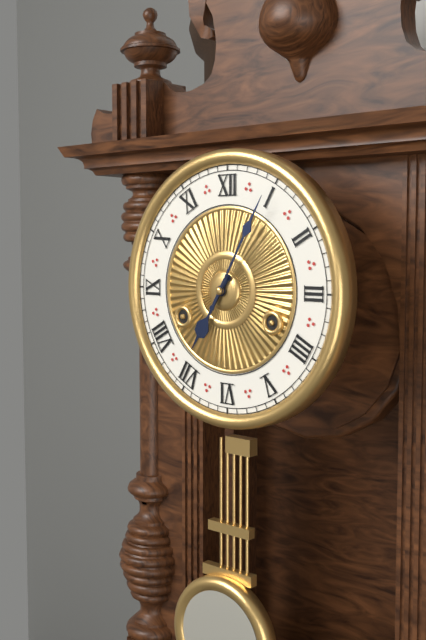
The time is 7 h 05 min
